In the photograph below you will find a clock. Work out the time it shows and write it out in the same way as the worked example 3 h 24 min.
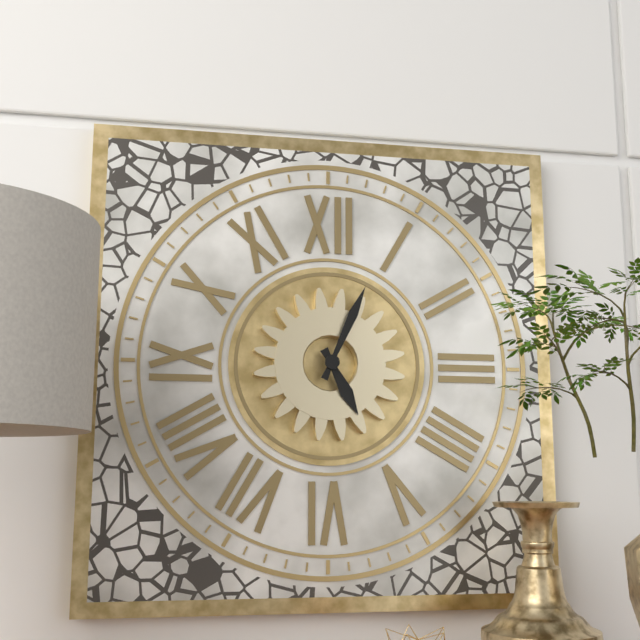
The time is 5 h 04 min
